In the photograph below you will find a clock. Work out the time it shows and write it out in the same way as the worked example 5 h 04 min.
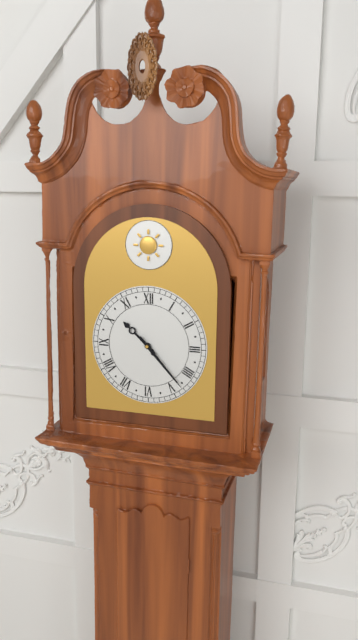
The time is 10 h 23 min
